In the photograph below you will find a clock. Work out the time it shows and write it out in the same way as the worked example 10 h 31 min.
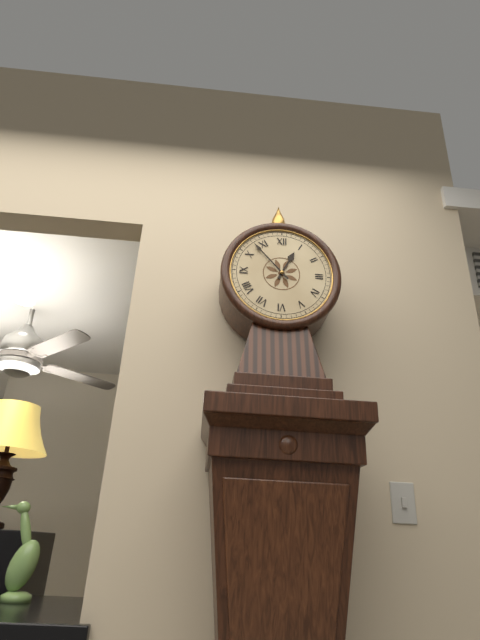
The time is 12 h 53 min
